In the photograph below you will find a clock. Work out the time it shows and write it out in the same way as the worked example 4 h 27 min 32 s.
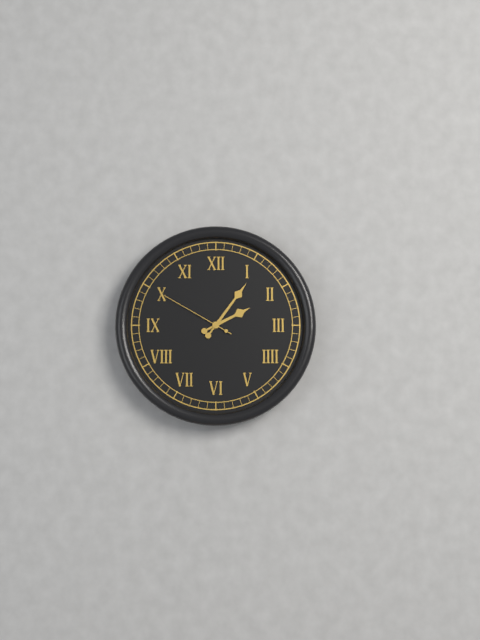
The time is 2 h 06 min 50 s
